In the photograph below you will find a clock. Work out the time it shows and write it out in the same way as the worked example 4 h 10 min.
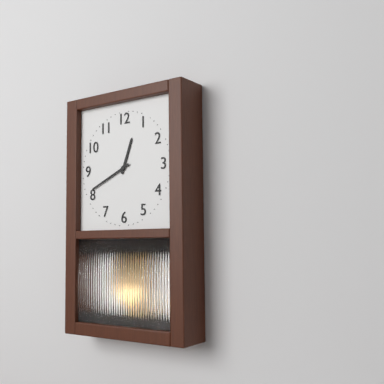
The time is 12 h 41 min
